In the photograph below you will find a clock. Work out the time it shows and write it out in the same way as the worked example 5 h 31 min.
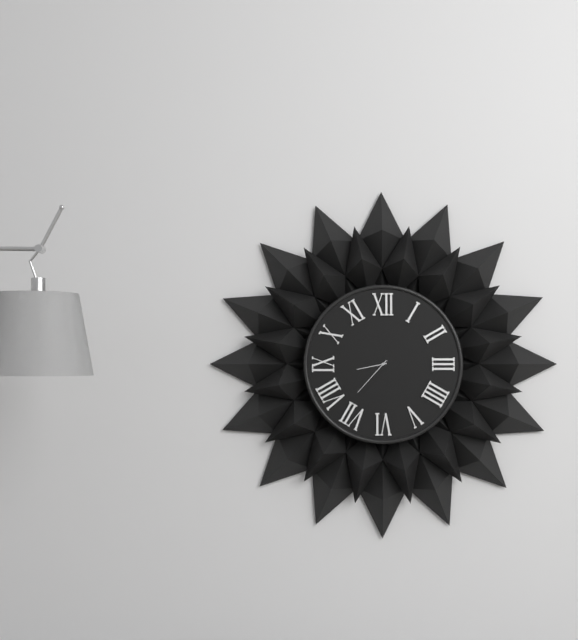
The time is 8 h 37 min
